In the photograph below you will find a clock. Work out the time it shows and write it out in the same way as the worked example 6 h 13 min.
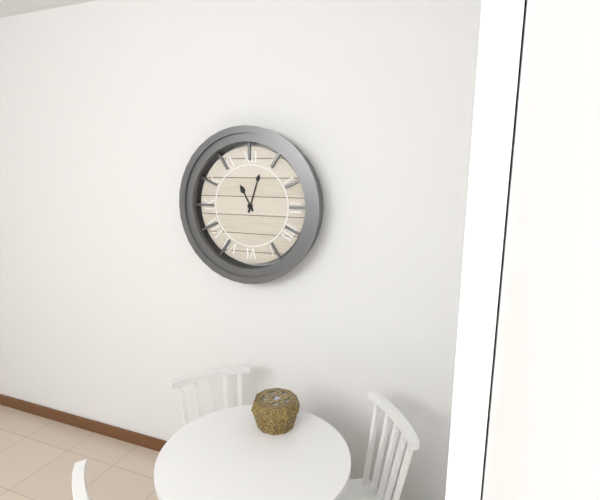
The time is 11 h 03 min
